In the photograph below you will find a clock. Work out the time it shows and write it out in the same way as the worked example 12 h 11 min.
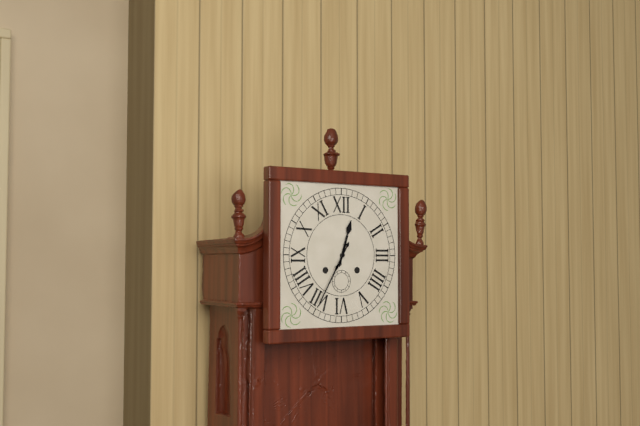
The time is 12 h 35 min
